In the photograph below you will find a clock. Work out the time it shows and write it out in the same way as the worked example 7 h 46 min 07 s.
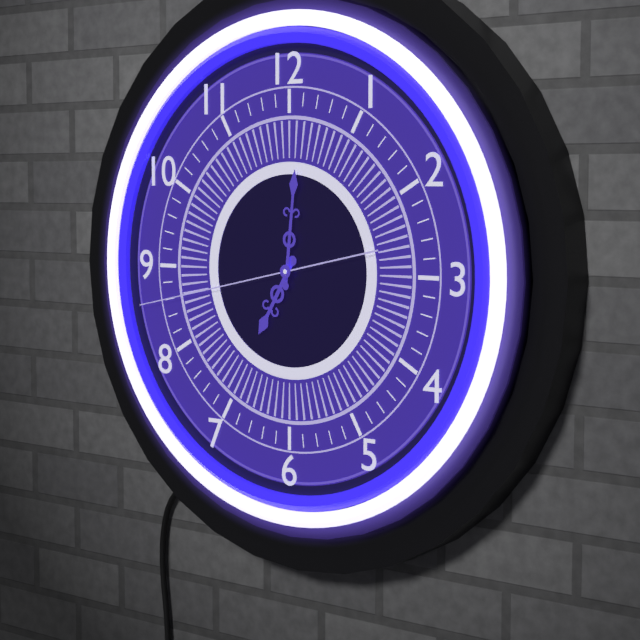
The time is 7 h 01 min 43 s
